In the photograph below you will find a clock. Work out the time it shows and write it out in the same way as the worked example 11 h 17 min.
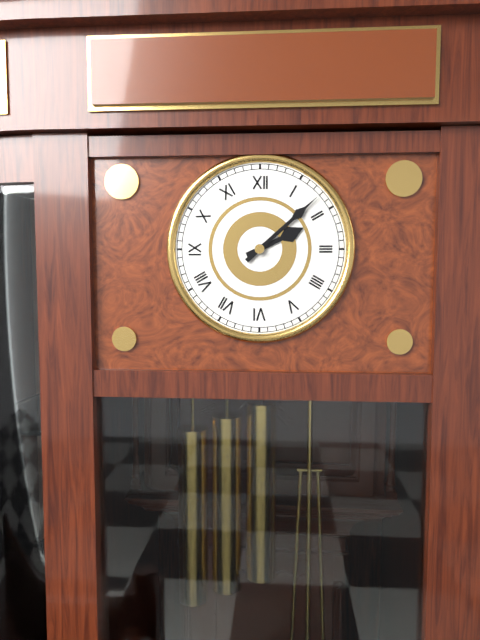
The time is 2 h 08 min
